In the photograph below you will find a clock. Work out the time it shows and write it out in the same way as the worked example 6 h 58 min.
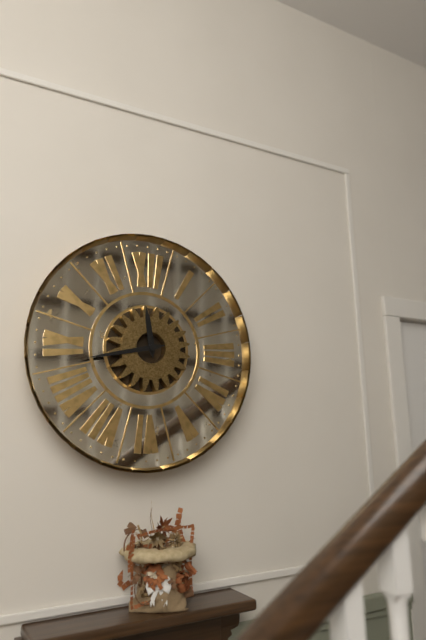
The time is 11 h 43 min
